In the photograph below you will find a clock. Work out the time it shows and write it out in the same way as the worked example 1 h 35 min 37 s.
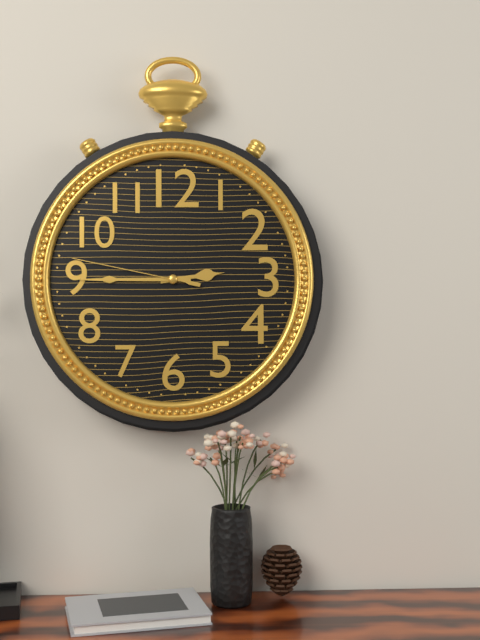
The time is 2 h 45 min 47 s
